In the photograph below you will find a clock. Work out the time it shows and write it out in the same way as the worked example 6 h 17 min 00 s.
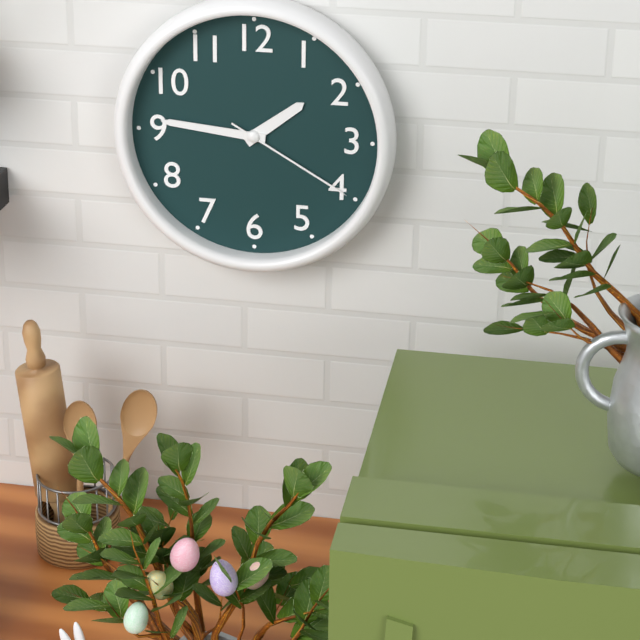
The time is 1 h 46 min 20 s
